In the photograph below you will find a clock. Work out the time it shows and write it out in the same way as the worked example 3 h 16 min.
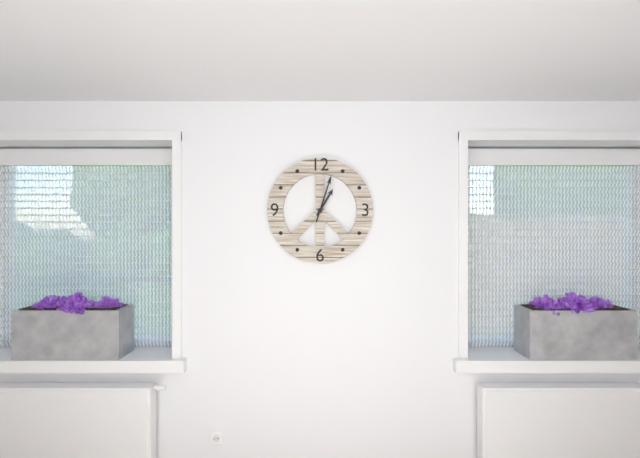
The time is 1 h 03 min
